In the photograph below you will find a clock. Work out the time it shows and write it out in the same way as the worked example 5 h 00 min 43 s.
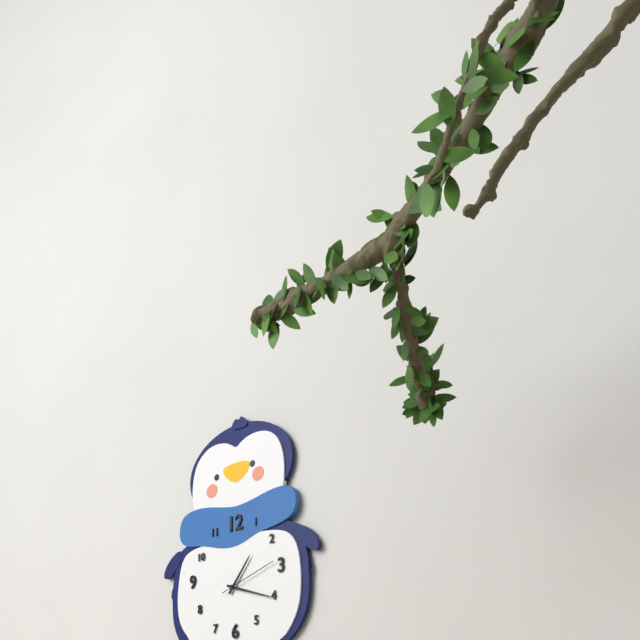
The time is 1 h 18 min 12 s
